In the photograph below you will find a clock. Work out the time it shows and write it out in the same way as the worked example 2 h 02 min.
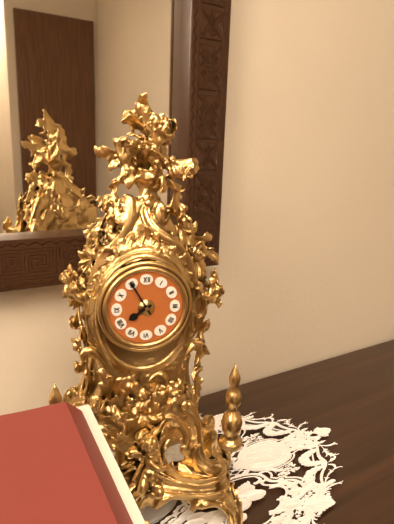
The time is 7 h 55 min
